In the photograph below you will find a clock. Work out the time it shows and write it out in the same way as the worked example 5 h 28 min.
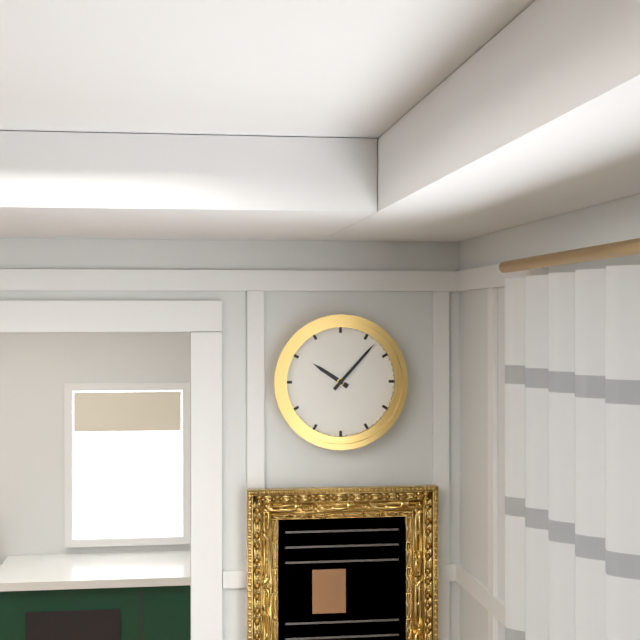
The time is 10 h 07 min
